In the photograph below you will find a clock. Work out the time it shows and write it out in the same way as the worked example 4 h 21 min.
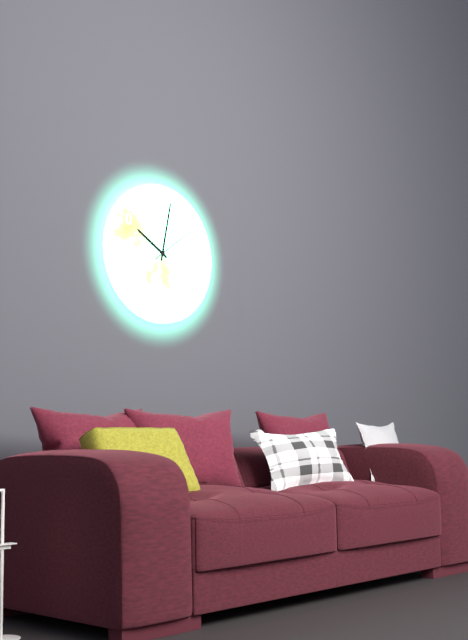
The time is 10 h 02 min
